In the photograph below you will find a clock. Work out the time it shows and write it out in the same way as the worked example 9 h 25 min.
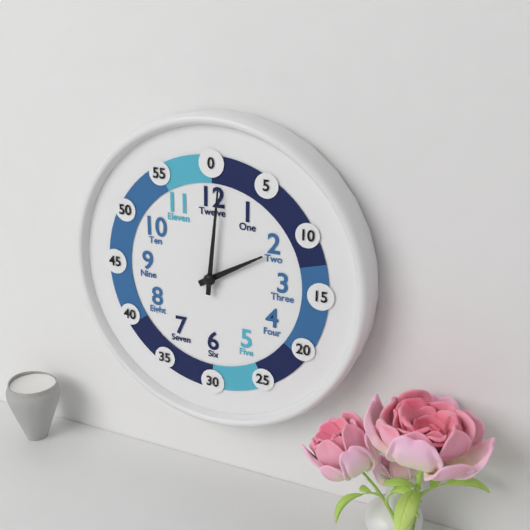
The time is 2 h 01 min
